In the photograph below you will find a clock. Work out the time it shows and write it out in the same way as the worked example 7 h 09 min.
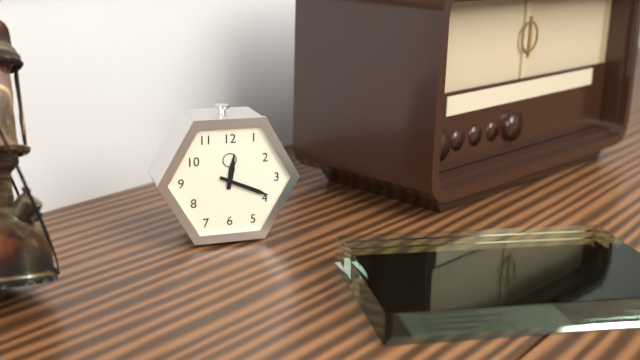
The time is 12 h 19 min
